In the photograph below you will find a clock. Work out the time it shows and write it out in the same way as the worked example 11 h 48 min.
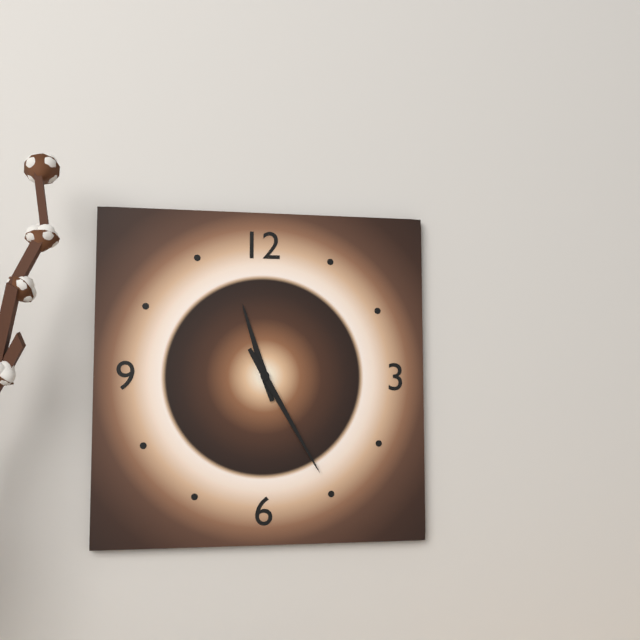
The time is 11 h 25 min
